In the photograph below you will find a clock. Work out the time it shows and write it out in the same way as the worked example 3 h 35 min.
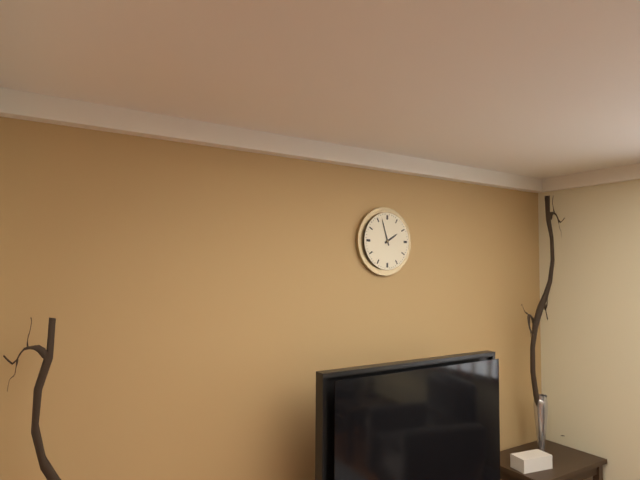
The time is 1 h 57 min
